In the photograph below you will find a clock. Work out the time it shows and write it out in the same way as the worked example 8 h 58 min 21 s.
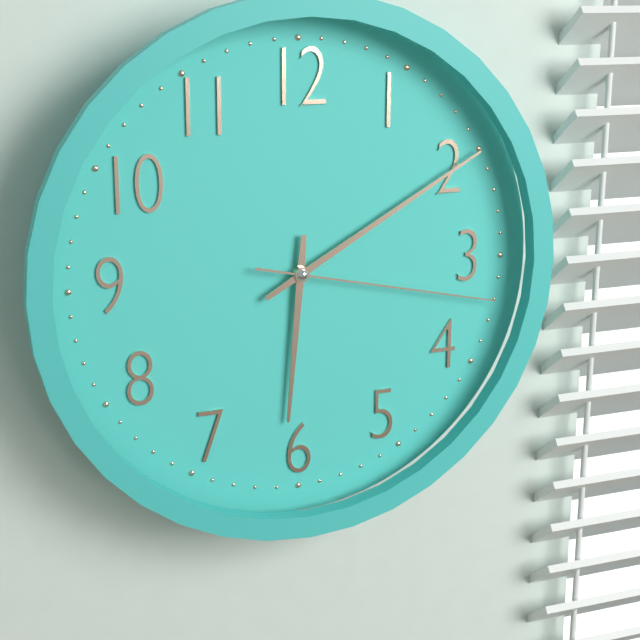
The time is 6 h 10 min 17 s
